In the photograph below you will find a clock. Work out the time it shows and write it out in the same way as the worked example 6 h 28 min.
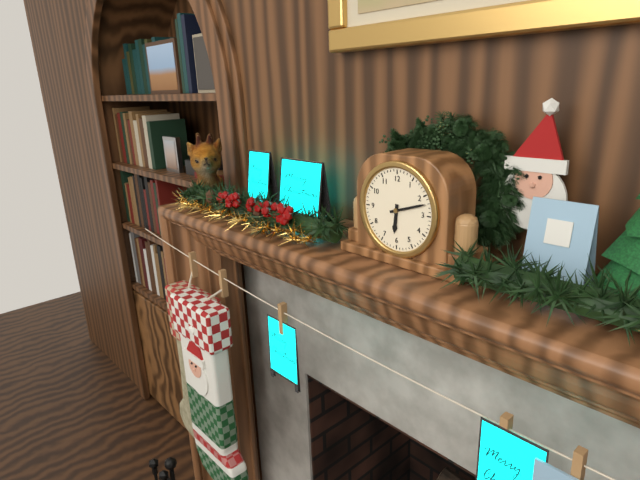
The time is 6 h 12 min
